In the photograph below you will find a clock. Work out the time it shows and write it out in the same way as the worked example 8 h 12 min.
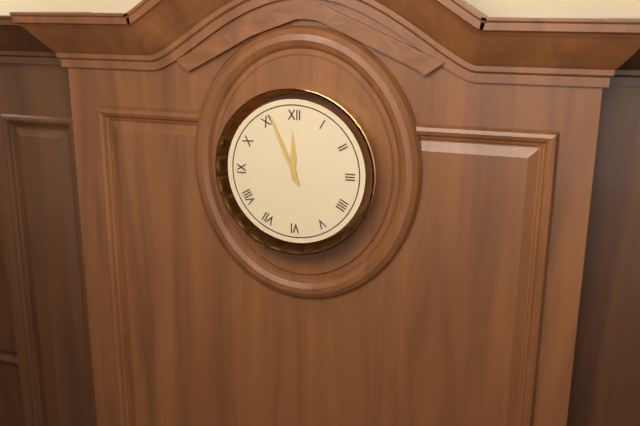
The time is 11 h 56 min
